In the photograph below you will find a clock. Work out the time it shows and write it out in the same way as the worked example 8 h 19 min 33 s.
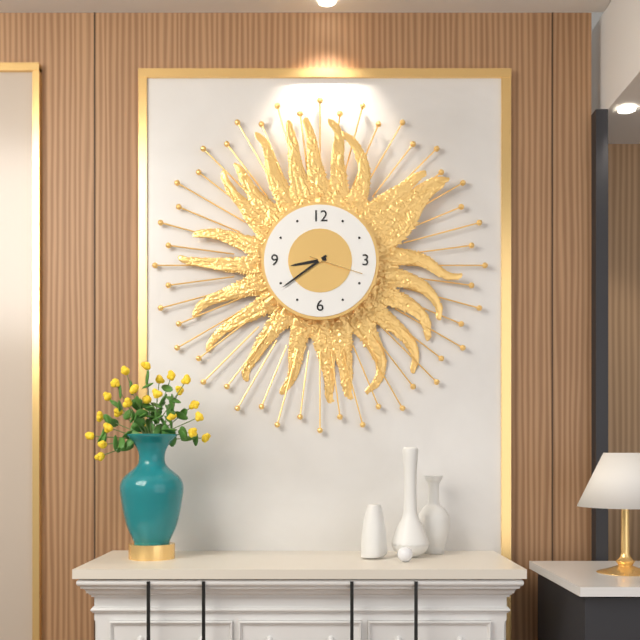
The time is 8 h 39 min 18 s
